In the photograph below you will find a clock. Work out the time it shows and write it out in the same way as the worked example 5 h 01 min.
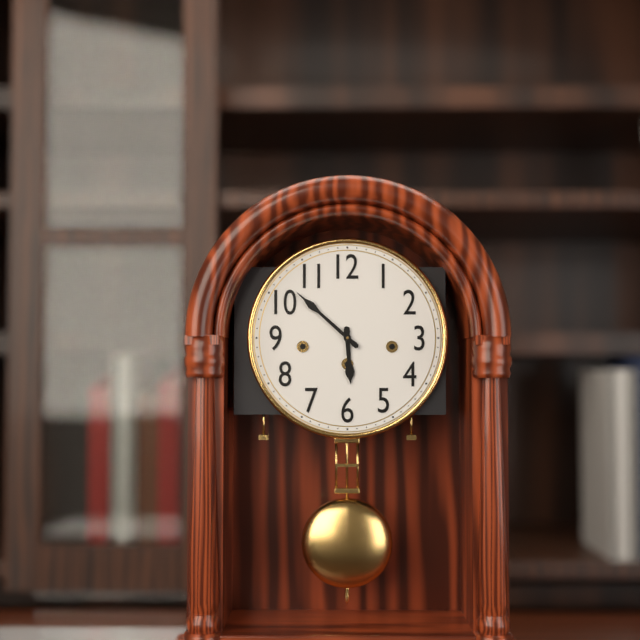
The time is 5 h 52 min
